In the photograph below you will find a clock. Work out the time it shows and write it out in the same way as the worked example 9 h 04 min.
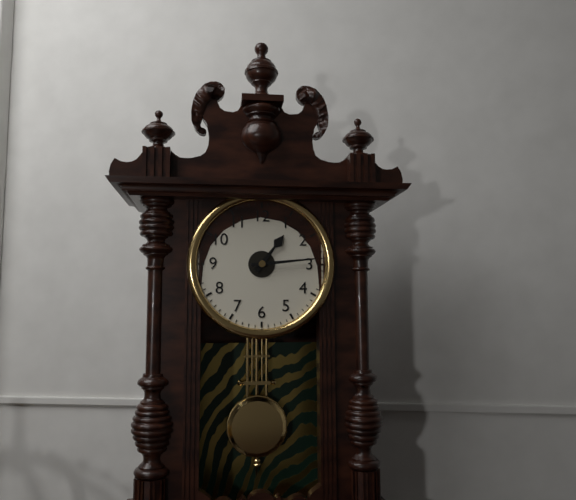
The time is 1 h 14 min
